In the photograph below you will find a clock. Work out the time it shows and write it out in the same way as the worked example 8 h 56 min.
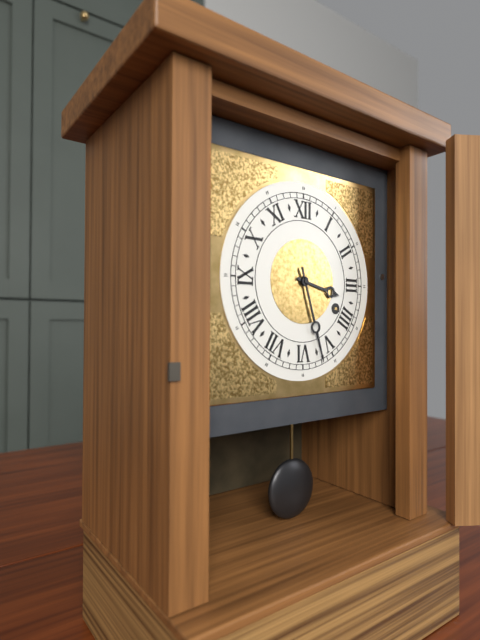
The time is 3 h 27 min
